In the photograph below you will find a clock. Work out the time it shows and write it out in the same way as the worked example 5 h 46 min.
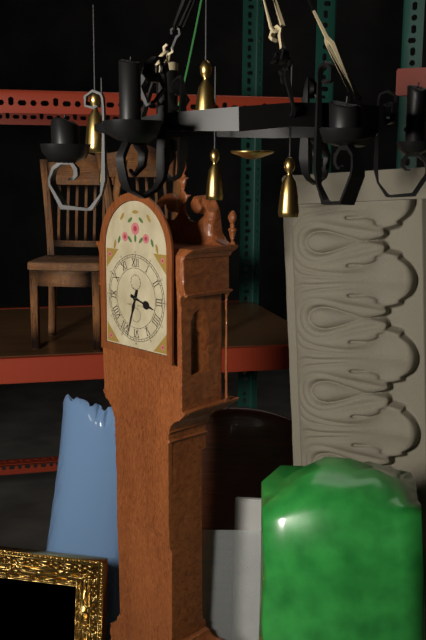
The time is 3 h 33 min
